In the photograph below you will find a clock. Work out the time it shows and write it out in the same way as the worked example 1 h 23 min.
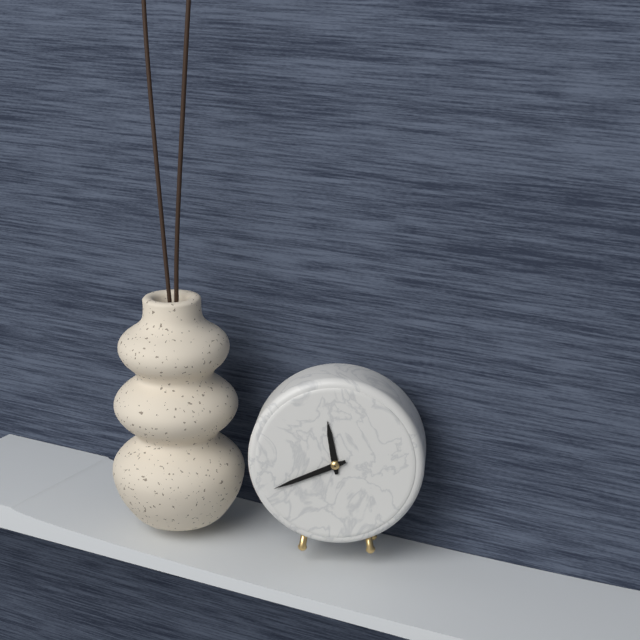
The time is 11 h 41 min
